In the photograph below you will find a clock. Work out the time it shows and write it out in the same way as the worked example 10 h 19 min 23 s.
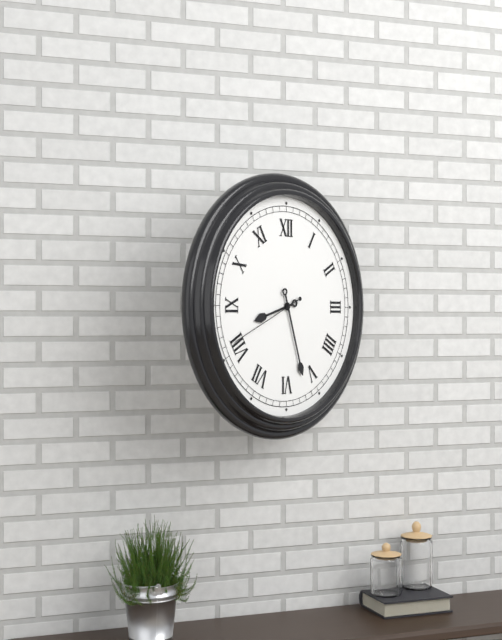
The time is 8 h 27 min 41 s
